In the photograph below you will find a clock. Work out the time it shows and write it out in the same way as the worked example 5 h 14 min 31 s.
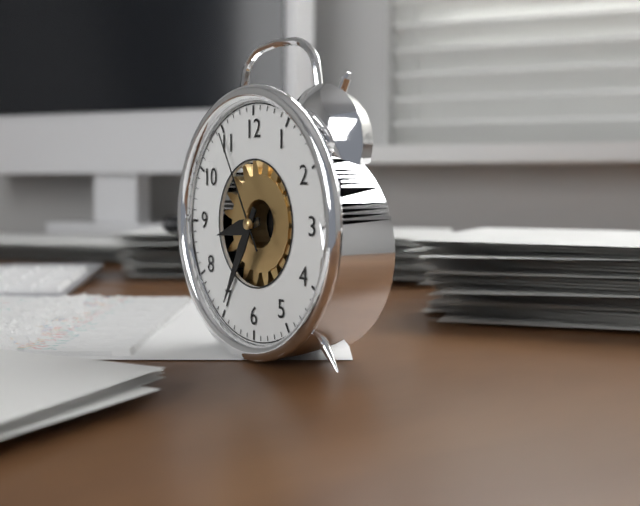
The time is 8 h 35 min 55 s
